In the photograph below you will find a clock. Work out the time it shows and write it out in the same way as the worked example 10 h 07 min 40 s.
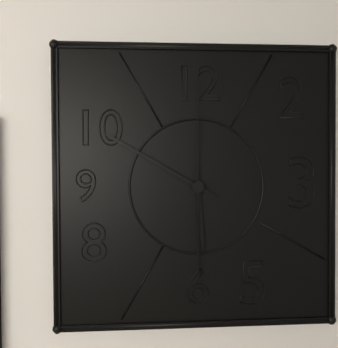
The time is 5 h 50 min 00 s
